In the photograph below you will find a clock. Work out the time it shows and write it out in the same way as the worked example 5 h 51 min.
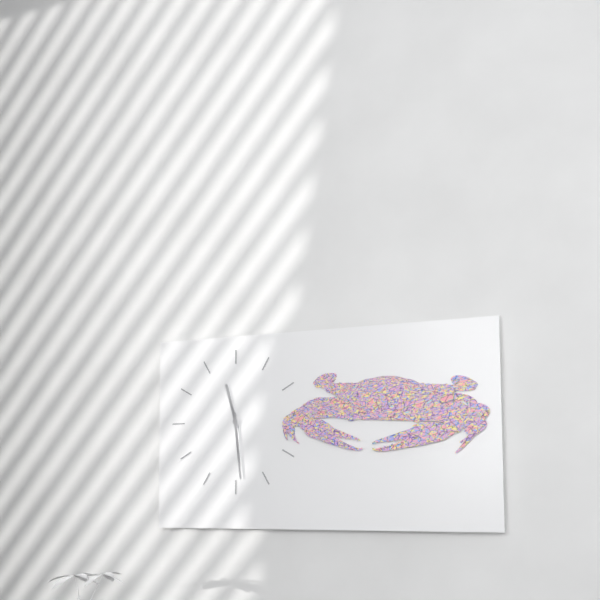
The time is 11 h 29 min
